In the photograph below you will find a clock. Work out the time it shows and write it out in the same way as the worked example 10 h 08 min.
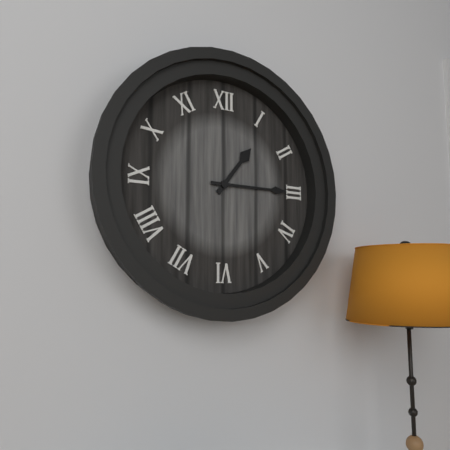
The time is 1 h 15 min
